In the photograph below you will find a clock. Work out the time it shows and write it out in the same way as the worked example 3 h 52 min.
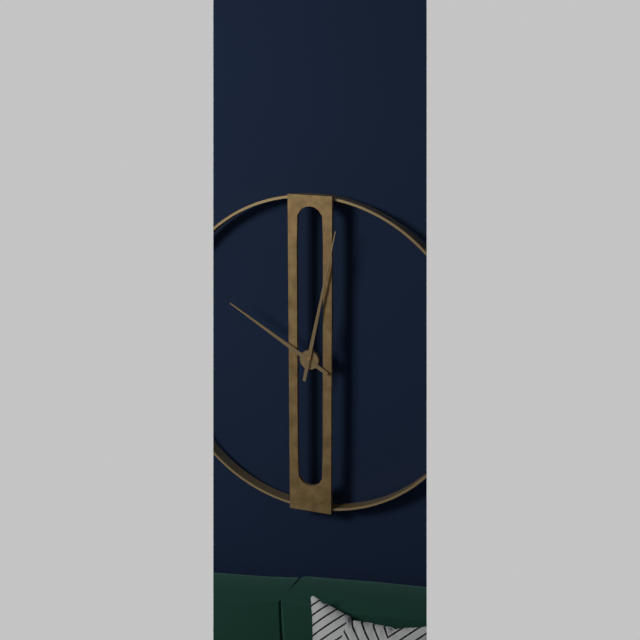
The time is 10 h 02 min
